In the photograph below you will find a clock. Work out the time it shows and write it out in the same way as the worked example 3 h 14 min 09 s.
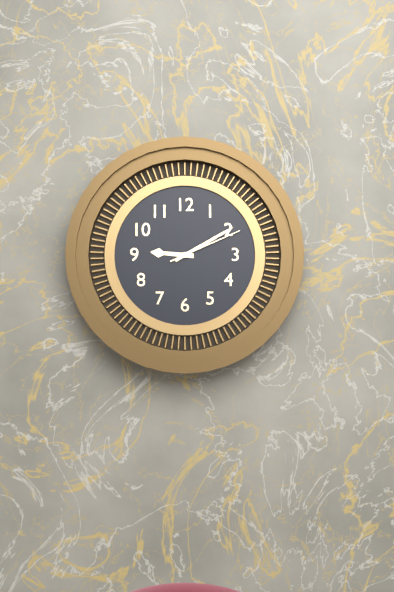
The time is 9 h 10 min 11 s
